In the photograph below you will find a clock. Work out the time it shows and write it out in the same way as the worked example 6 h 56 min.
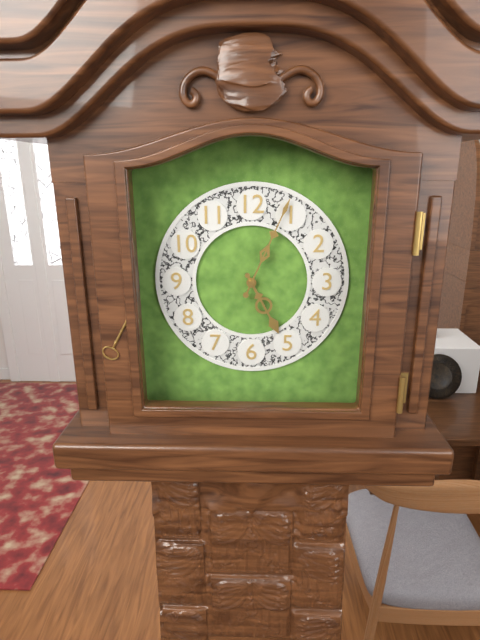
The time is 5 h 04 min
